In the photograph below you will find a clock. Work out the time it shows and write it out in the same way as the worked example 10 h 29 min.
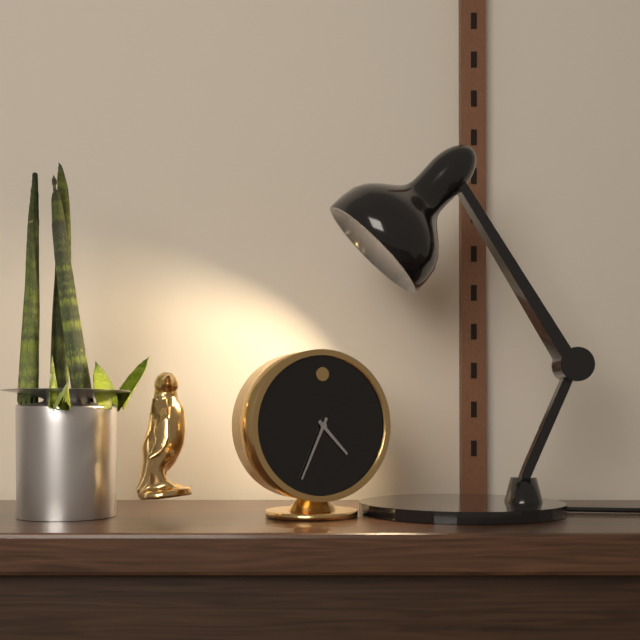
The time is 4 h 34 min
